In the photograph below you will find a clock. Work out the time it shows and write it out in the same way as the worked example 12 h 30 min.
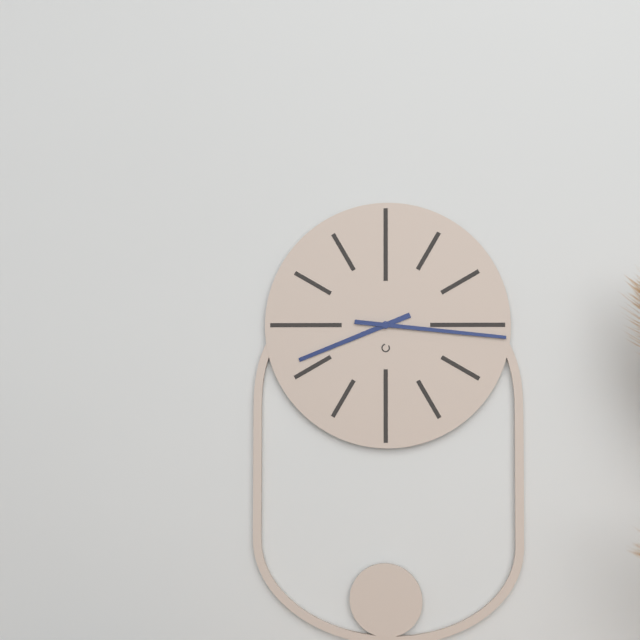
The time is 8 h 16 min
